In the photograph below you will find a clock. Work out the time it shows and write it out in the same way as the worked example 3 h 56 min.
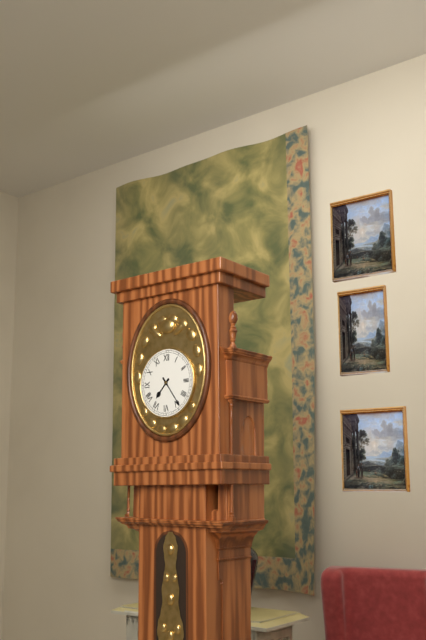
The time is 7 h 24 min
